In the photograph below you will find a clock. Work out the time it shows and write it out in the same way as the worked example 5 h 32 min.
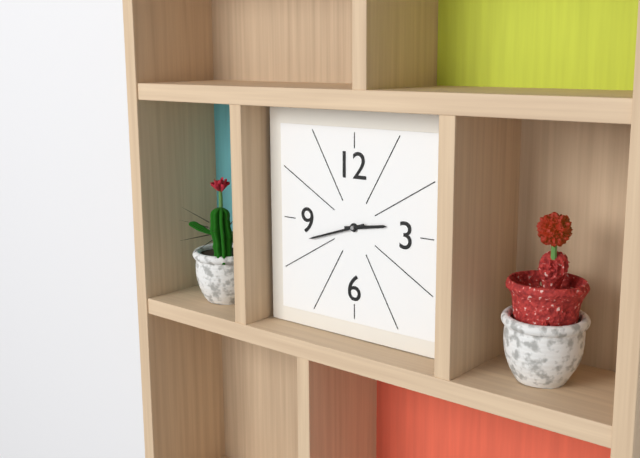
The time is 2 h 42 min
